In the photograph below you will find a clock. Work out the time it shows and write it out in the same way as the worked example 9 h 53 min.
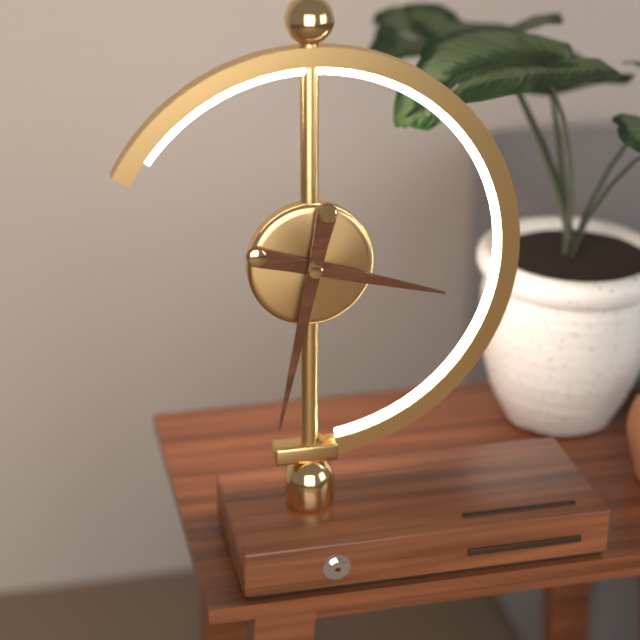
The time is 3 h 32 min
